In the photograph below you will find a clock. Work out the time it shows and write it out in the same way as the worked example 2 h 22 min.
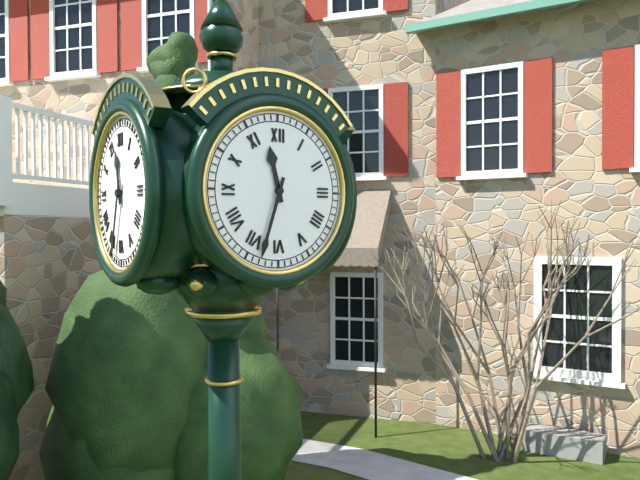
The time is 11 h 33 min
